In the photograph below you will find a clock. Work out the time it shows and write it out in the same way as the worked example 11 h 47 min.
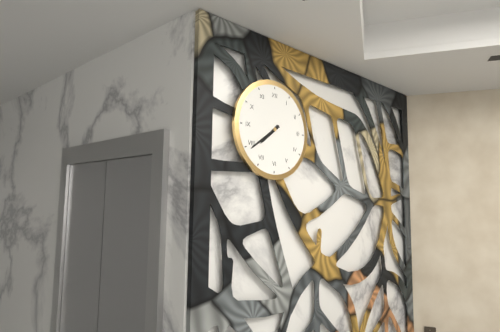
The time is 7 h 39 min
